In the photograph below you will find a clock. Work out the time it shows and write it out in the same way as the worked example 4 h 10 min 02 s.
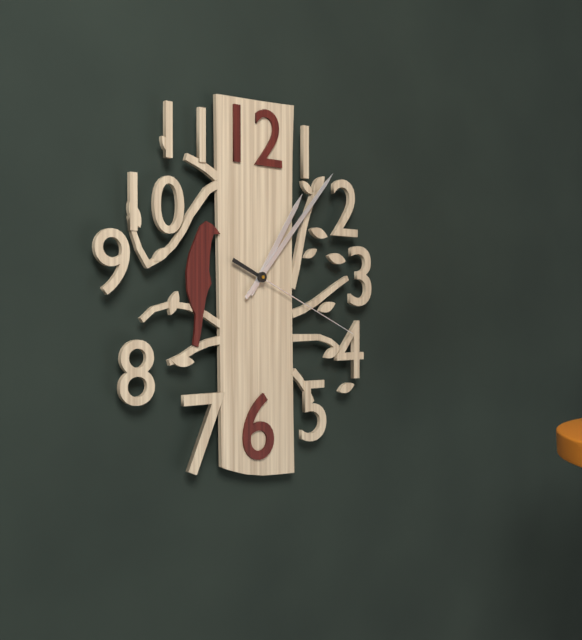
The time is 1 h 07 min 19 s
